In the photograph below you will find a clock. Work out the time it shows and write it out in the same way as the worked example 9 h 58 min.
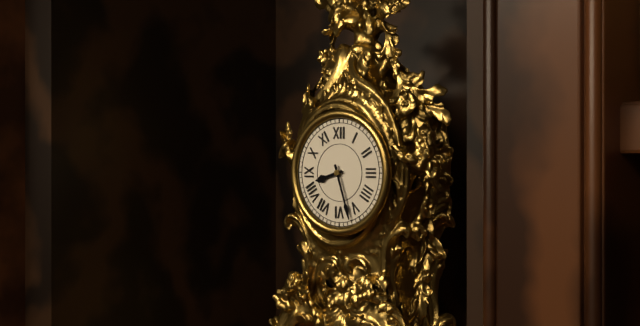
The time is 8 h 27 min
